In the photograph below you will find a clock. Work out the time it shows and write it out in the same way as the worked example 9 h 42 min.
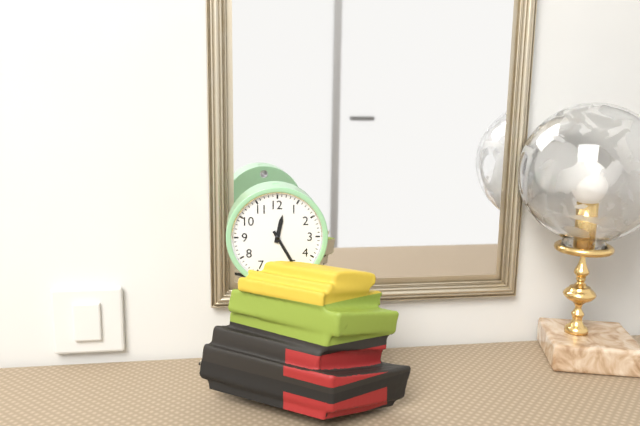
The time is 12 h 25 min
